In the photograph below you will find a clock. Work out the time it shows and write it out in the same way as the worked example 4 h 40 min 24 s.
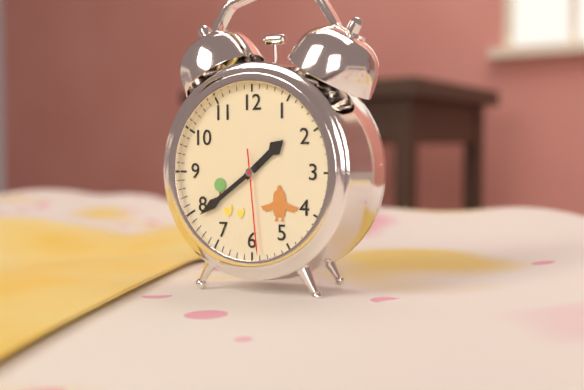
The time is 1 h 39 min 29 s
